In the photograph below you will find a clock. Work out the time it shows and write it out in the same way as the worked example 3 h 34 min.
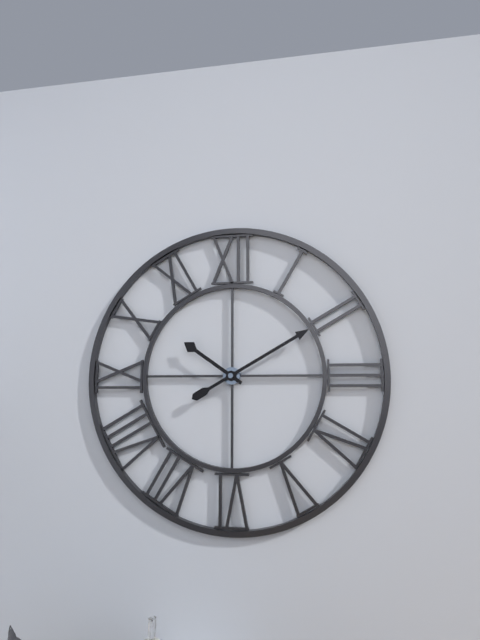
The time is 10 h 10 min
